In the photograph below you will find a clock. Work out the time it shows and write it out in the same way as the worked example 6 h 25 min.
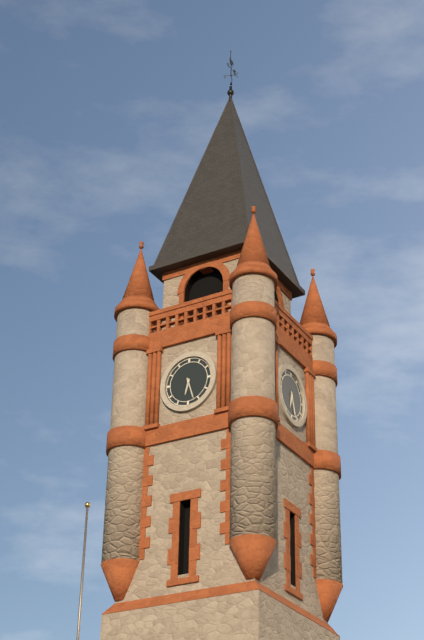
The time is 6 h 27 min
